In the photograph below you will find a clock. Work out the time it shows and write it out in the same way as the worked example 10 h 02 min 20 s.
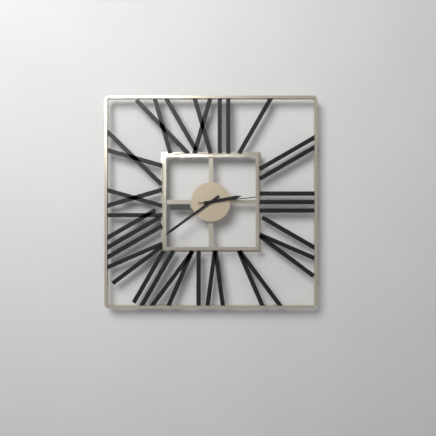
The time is 2 h 39 min 14 s
